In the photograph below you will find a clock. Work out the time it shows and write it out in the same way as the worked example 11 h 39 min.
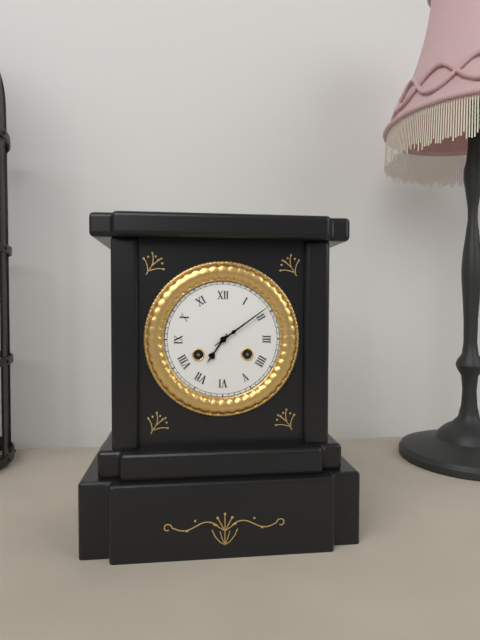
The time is 7 h 09 min
